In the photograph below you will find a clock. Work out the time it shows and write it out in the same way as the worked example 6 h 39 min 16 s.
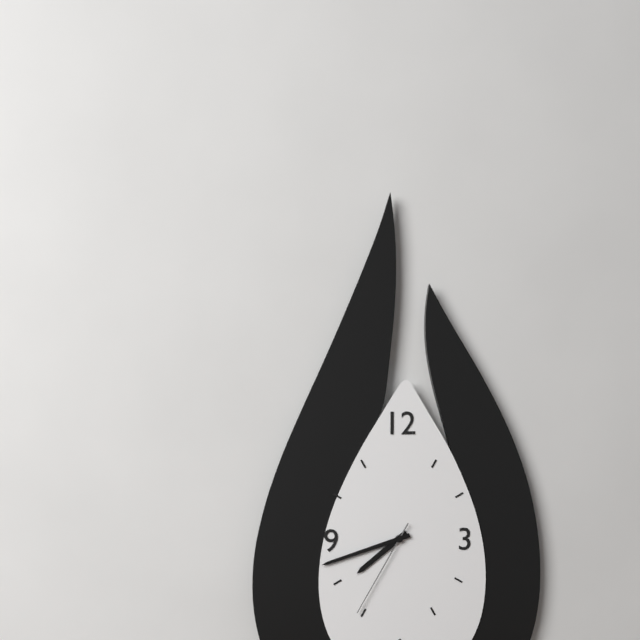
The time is 7 h 42 min 35 s
